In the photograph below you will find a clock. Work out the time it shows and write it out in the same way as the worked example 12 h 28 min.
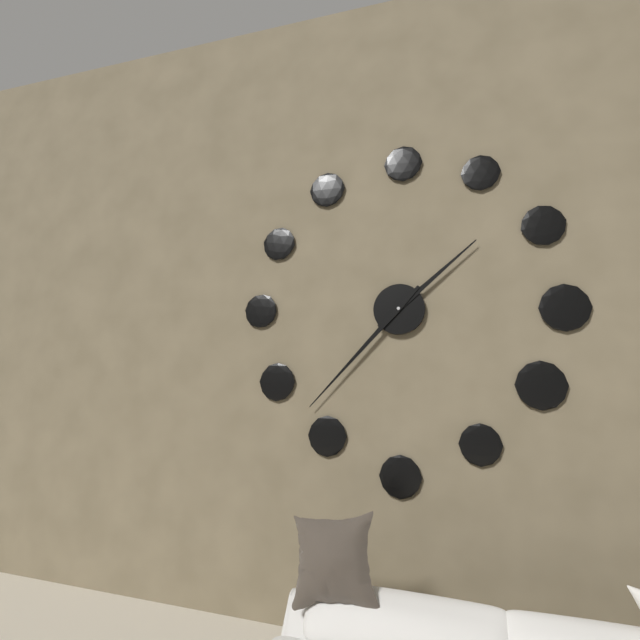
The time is 1 h 37 min
